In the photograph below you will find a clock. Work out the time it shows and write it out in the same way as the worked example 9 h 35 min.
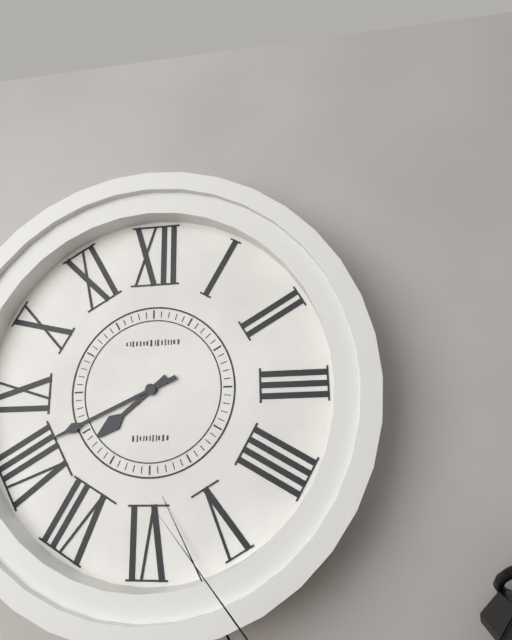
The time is 7 h 41 min
